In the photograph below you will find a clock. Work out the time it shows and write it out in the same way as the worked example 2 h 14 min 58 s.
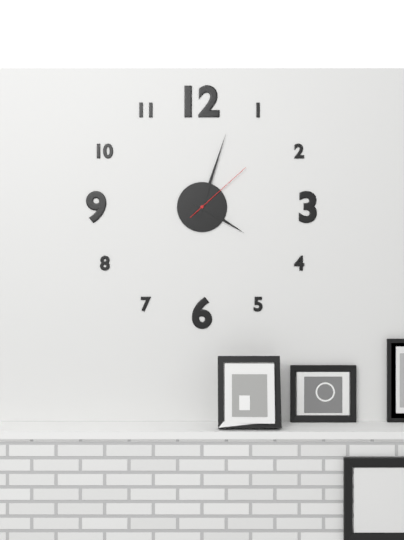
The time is 4 h 03 min 08 s
